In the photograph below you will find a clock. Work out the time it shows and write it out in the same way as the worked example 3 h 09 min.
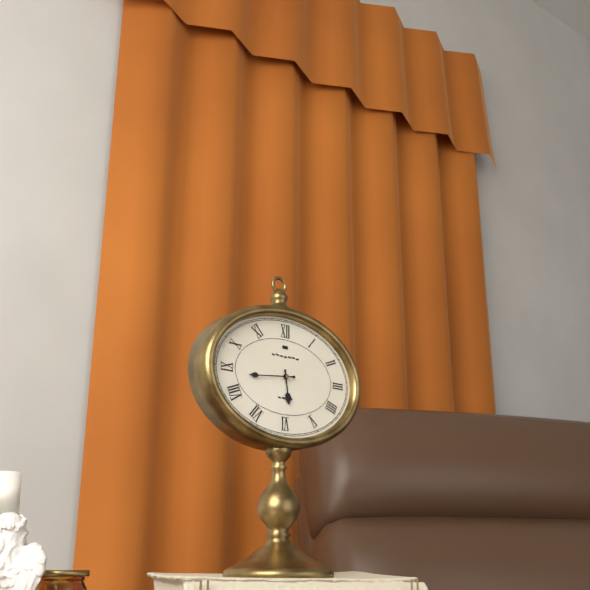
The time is 5 h 44 min
